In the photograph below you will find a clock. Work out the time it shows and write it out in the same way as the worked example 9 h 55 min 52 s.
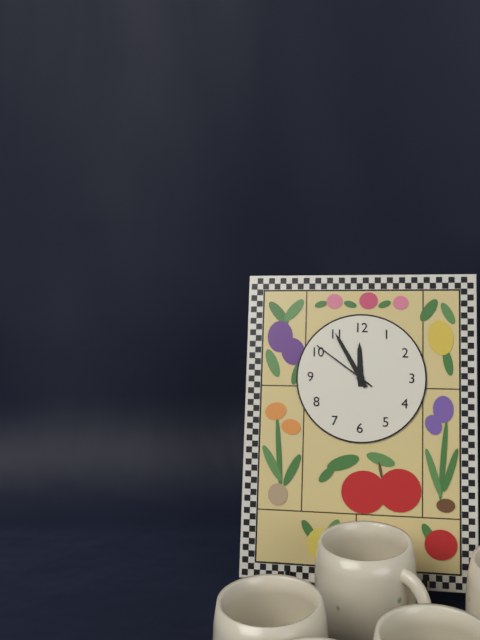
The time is 11 h 55 min 51 s
